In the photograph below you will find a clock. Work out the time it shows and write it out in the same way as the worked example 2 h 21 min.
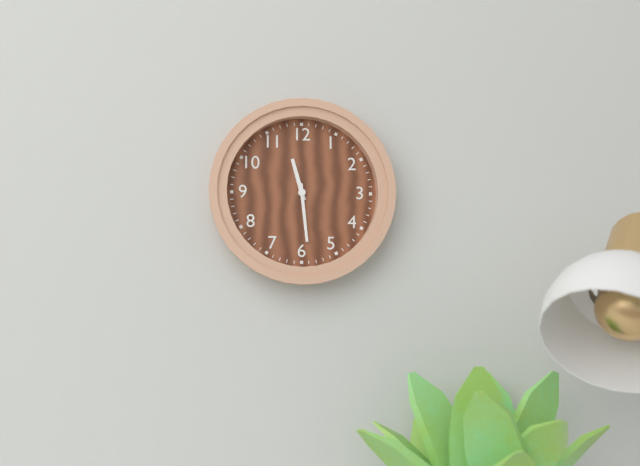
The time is 11 h 29 min
